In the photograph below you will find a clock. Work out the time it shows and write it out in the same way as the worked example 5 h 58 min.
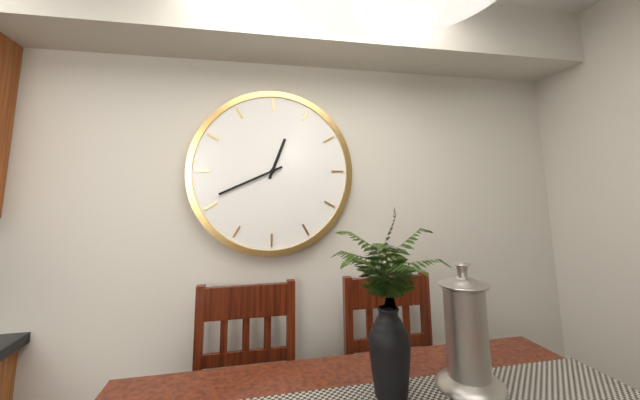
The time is 12 h 41 min
